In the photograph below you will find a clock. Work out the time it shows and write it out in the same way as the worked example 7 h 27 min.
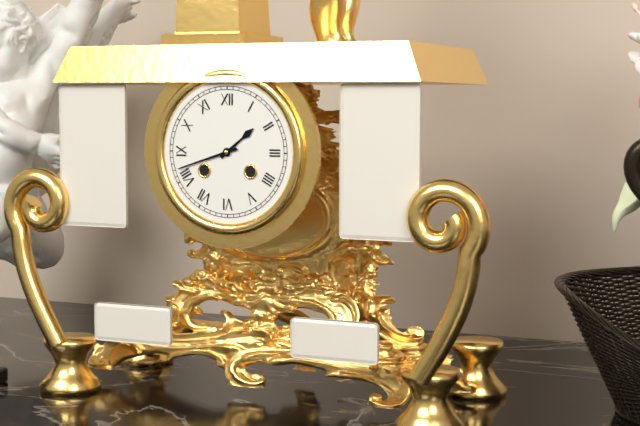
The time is 1 h 42 min
